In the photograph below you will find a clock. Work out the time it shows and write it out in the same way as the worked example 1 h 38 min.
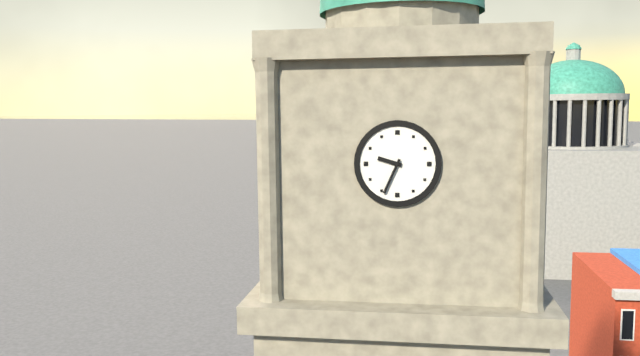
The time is 9 h 34 min
